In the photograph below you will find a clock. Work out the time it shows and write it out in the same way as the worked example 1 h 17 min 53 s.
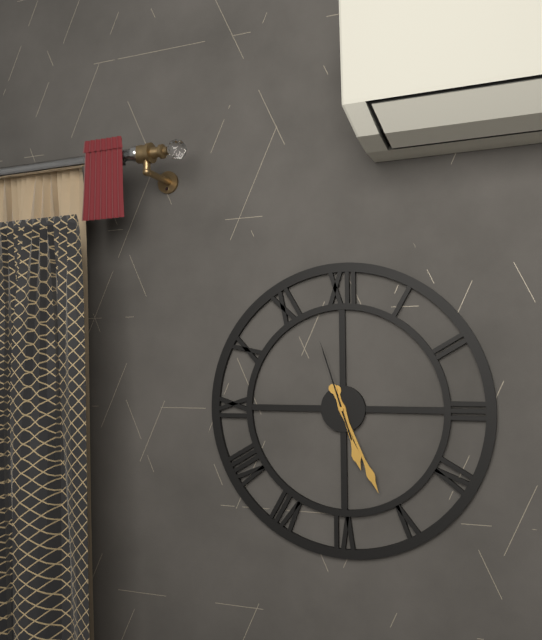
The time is 5 h 26 min 57 s
